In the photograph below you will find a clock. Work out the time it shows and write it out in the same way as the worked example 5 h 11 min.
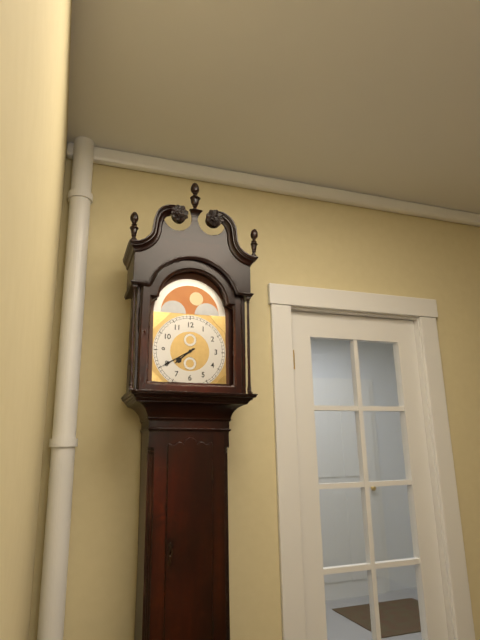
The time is 7 h 40 min
